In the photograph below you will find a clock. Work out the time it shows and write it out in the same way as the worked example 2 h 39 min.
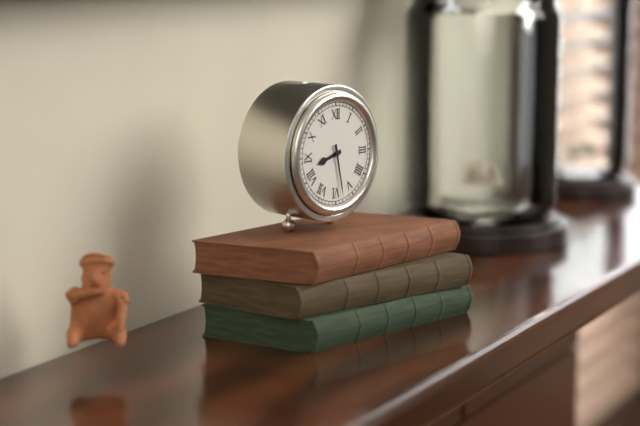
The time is 8 h 28 min
